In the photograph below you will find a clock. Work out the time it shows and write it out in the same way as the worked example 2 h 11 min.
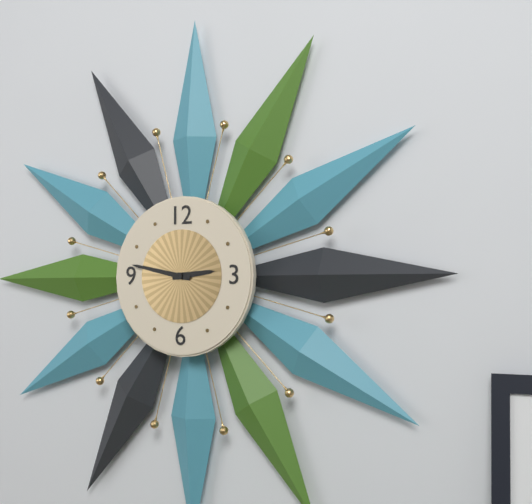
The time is 2 h 47 min
